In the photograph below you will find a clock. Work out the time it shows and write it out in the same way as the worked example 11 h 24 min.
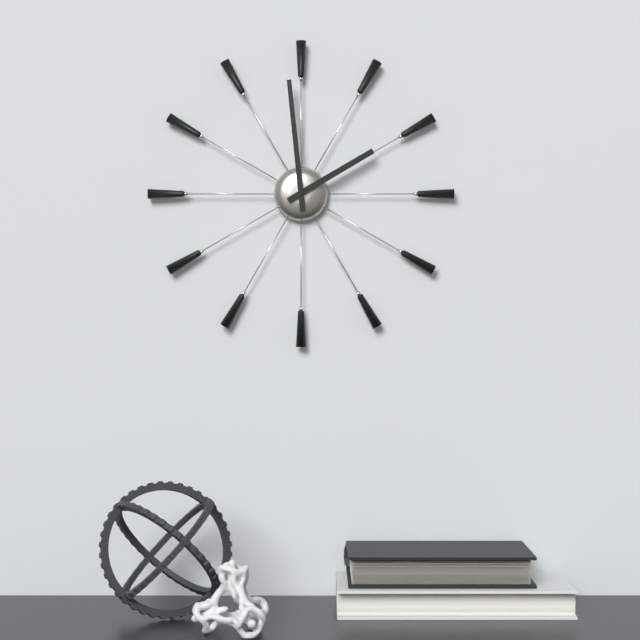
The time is 1 h 59 min
